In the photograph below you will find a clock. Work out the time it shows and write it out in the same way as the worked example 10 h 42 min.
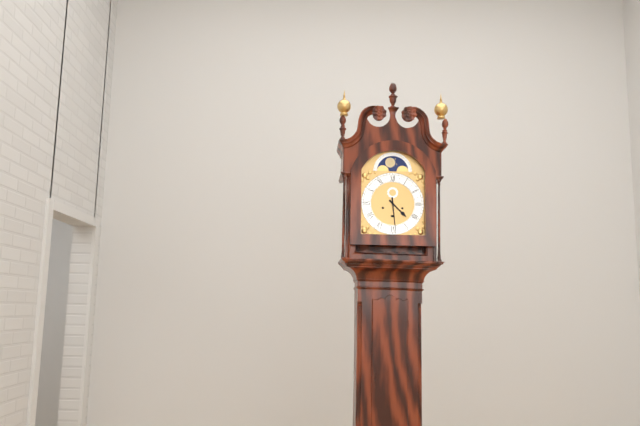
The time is 4 h 29 min
